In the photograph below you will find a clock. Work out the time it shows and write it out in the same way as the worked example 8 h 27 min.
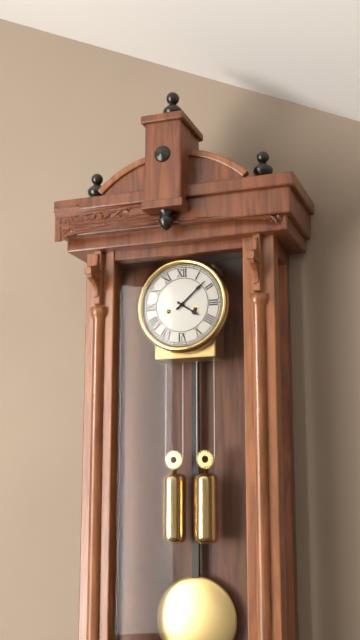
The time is 4 h 08 min
